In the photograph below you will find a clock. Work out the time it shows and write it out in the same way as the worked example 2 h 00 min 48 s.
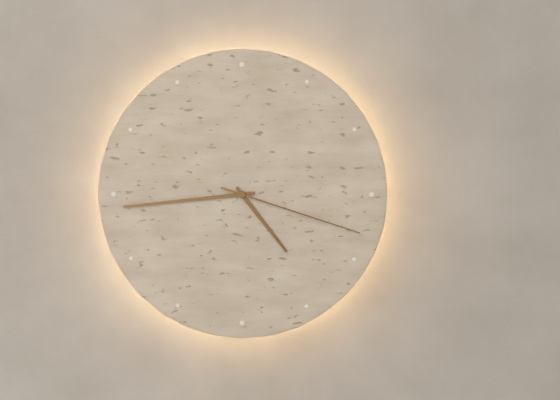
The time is 4 h 44 min 18 s
